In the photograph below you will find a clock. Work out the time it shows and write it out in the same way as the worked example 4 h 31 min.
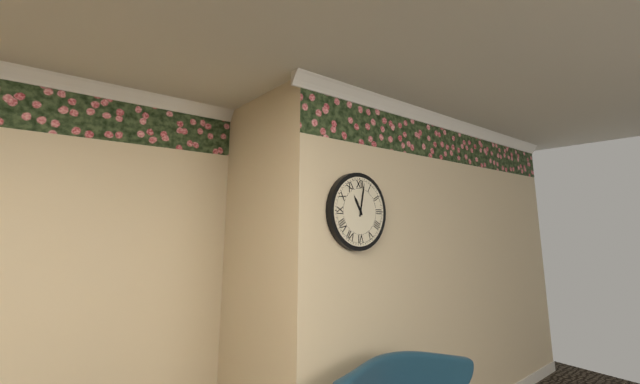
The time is 11 h 02 min
